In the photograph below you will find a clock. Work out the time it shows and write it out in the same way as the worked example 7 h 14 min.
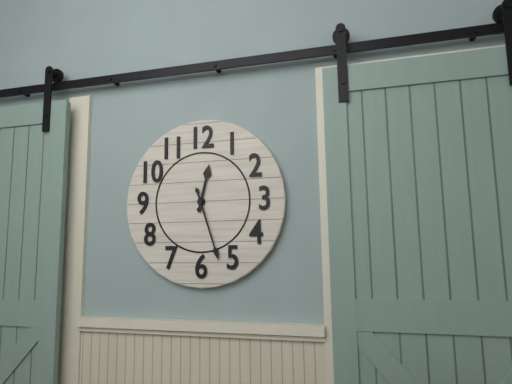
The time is 12 h 27 min
